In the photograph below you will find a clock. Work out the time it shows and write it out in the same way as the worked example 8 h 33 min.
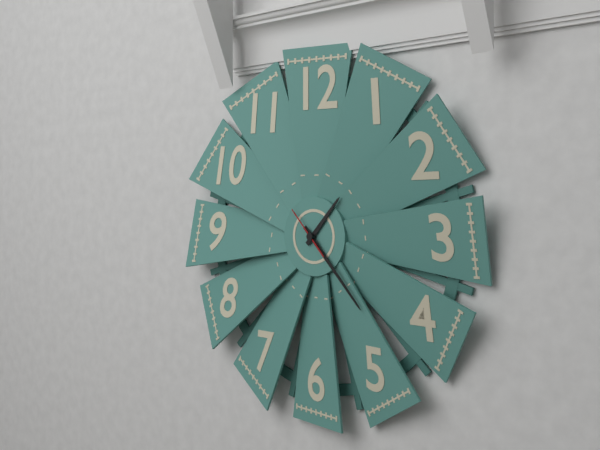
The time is 1 h 23 min
